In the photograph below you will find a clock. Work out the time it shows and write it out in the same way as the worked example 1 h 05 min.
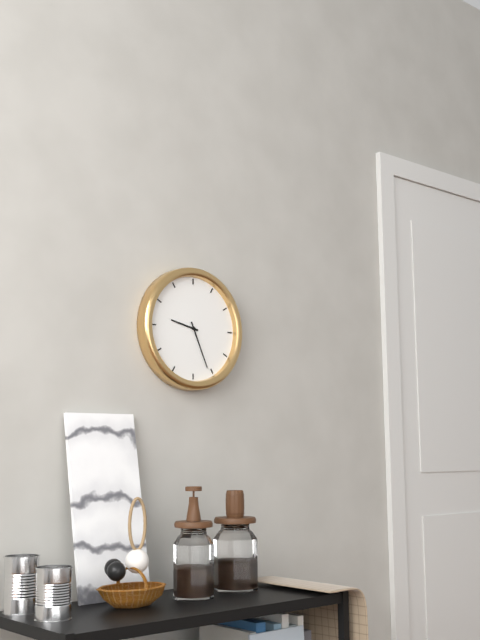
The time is 9 h 26 min
